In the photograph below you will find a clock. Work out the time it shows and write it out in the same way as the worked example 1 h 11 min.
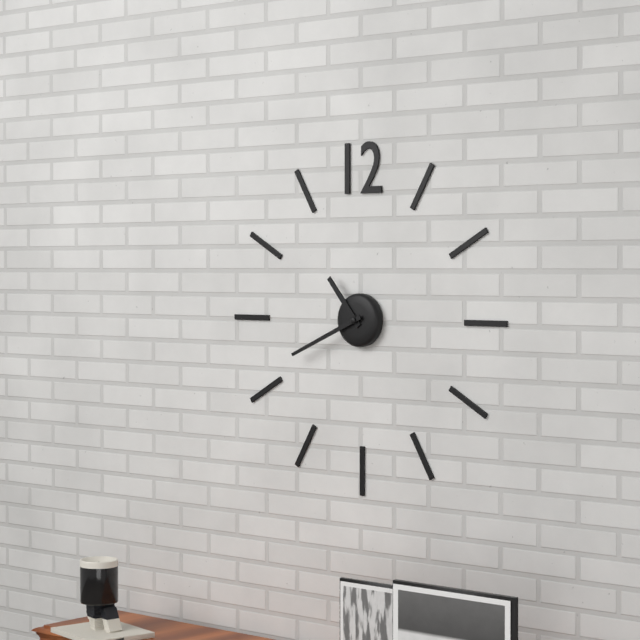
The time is 10 h 41 min
